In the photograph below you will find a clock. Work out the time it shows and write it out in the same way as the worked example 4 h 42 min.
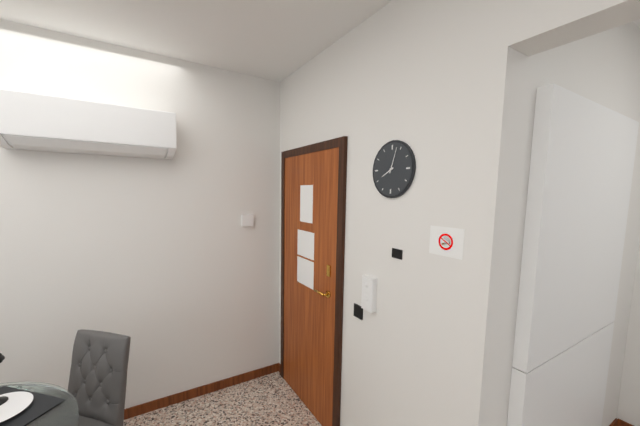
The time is 8 h 03 min
